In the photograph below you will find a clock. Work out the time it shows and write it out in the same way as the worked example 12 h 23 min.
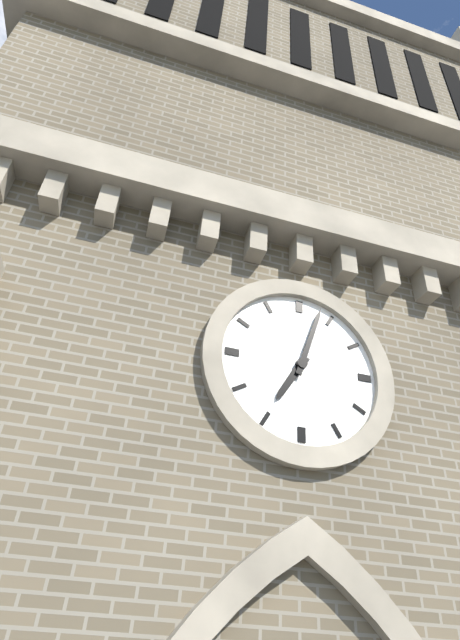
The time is 7 h 03 min
